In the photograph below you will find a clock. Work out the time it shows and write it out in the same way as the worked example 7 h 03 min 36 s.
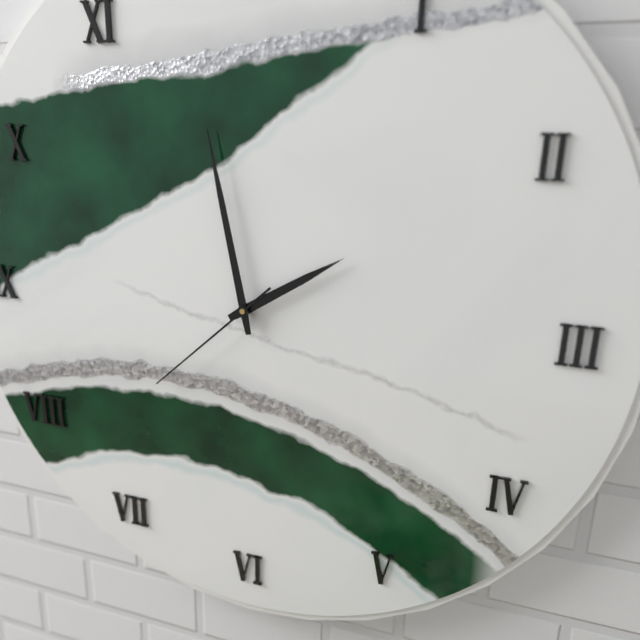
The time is 1 h 58 min 38 s
